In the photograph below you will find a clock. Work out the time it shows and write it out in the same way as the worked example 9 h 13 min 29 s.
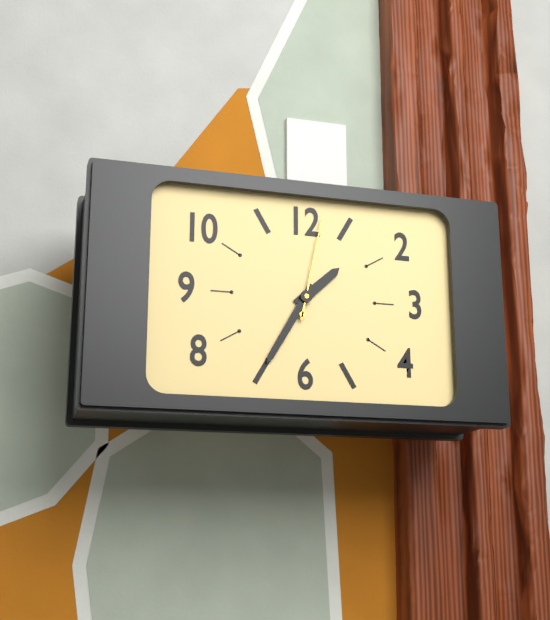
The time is 1 h 35 min 02 s
